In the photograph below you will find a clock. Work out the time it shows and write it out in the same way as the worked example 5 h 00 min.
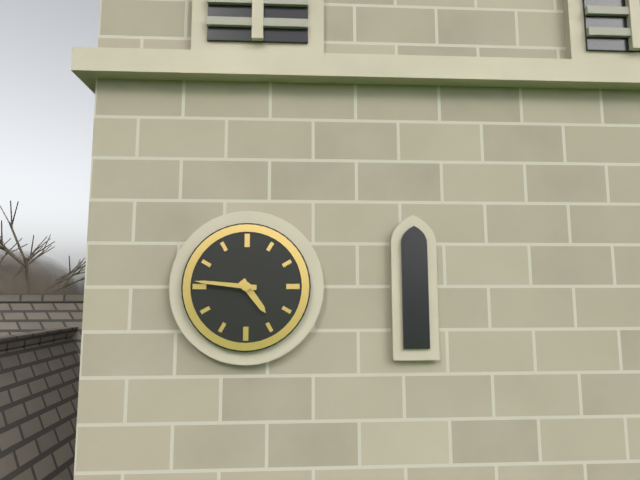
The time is 4 h 46 min
